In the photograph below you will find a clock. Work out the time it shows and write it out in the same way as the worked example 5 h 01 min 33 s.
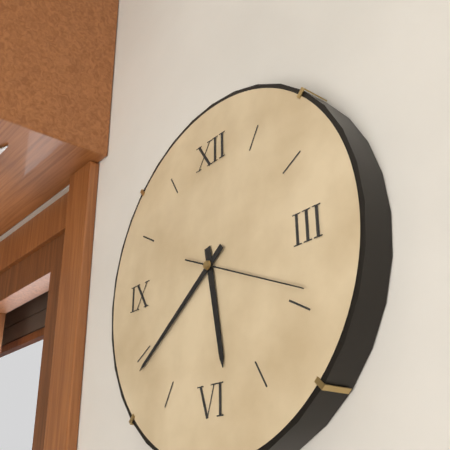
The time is 5 h 39 min 19 s
